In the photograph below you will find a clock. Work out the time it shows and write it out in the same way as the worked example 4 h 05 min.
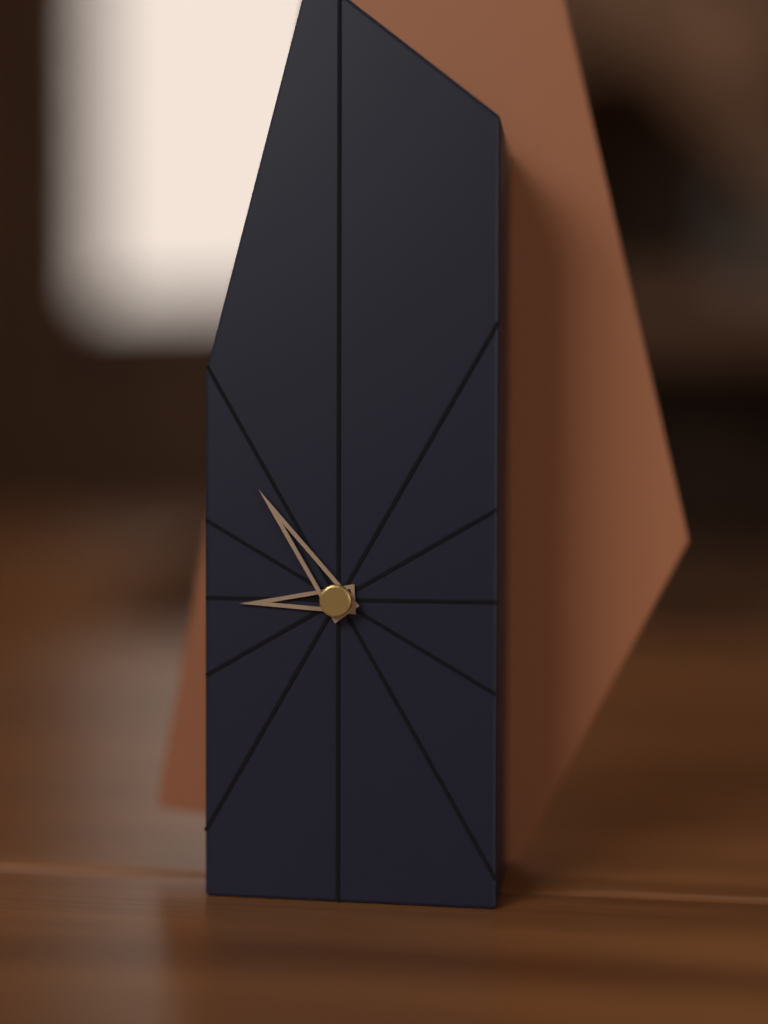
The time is 8 h 54 min
